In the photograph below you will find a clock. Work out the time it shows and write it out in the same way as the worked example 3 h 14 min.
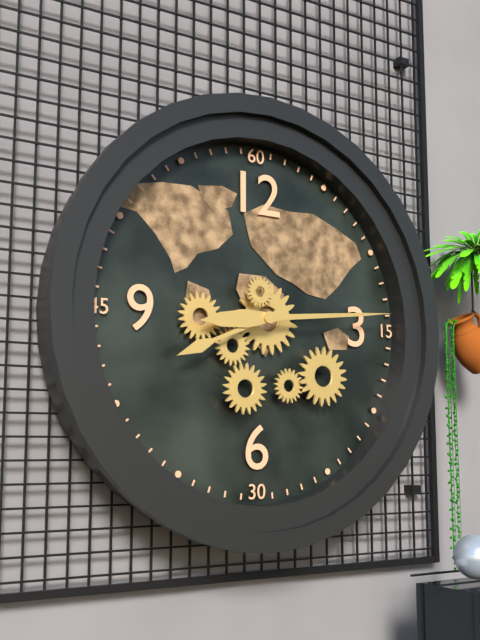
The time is 8 h 14 min
